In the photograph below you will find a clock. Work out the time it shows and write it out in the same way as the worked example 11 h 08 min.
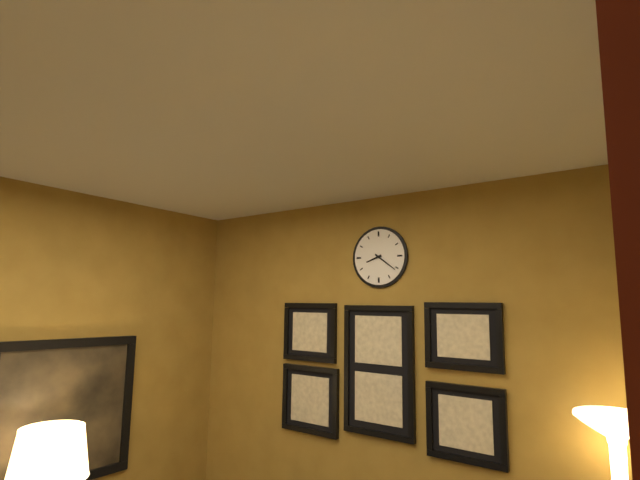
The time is 8 h 21 min
